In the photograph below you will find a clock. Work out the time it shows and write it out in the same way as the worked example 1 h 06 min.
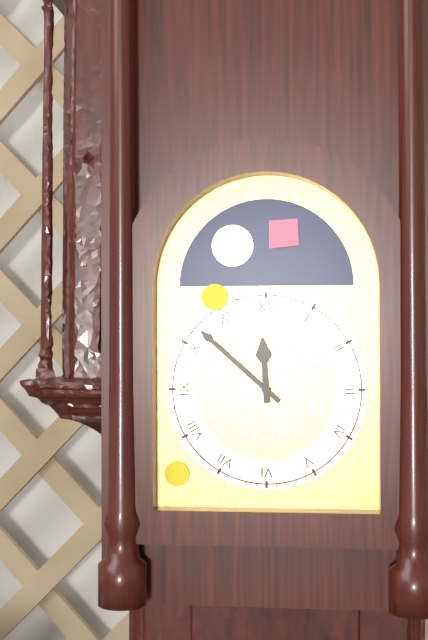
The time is 11 h 52 min
